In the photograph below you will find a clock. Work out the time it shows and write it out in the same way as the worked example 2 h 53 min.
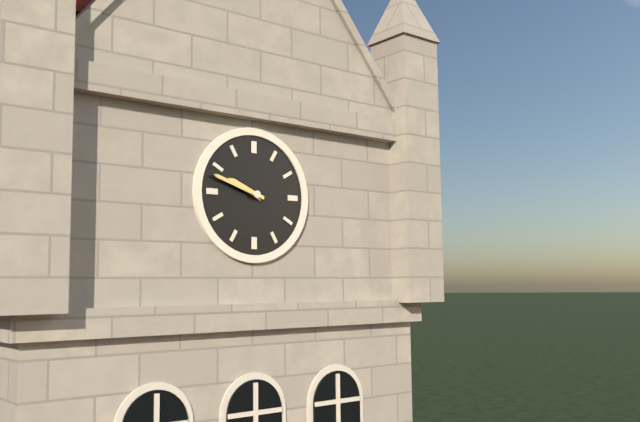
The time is 9 h 48 min
